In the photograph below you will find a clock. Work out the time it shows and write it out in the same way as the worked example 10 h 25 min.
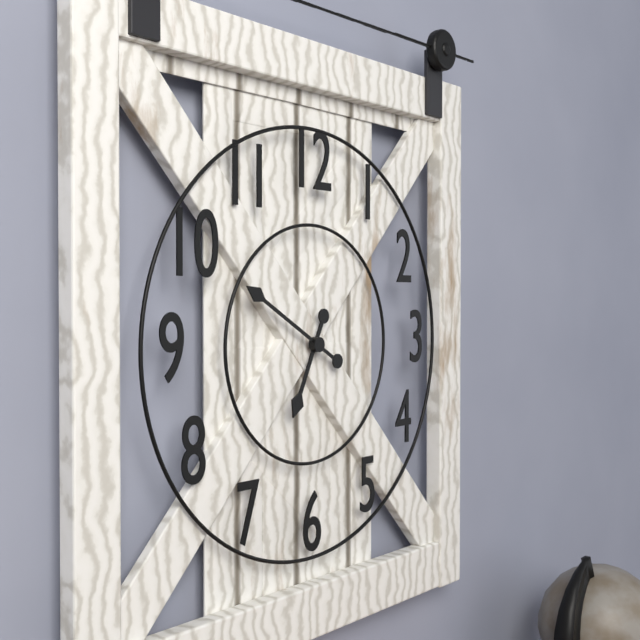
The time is 6 h 50 min
